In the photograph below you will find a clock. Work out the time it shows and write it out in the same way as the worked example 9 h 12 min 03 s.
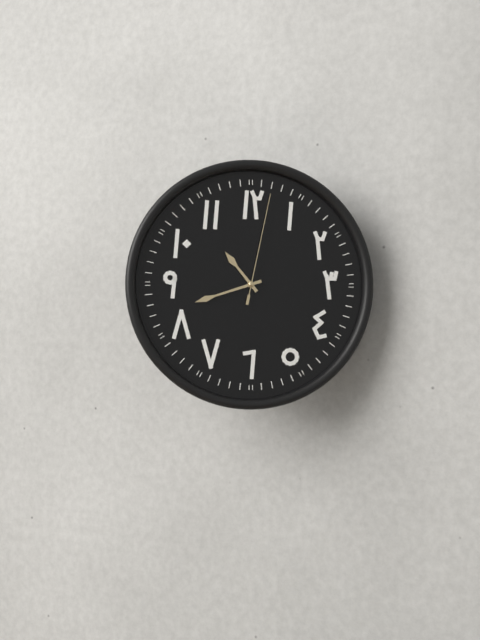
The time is 10 h 42 min 02 s
